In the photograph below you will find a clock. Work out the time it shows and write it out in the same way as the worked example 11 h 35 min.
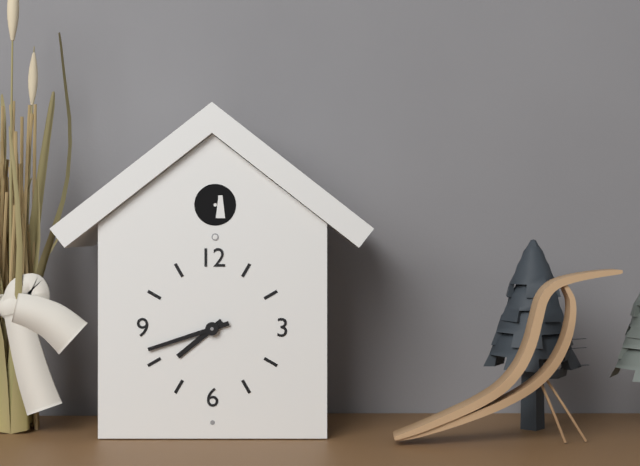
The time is 7 h 42 min
